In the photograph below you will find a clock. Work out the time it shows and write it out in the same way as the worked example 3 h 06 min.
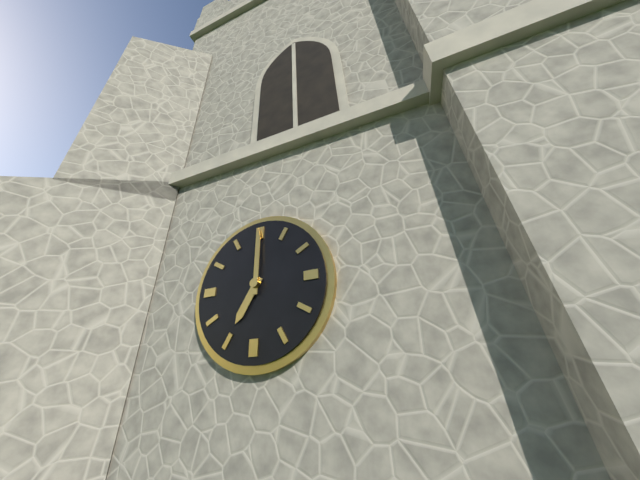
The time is 7 h 00 min
